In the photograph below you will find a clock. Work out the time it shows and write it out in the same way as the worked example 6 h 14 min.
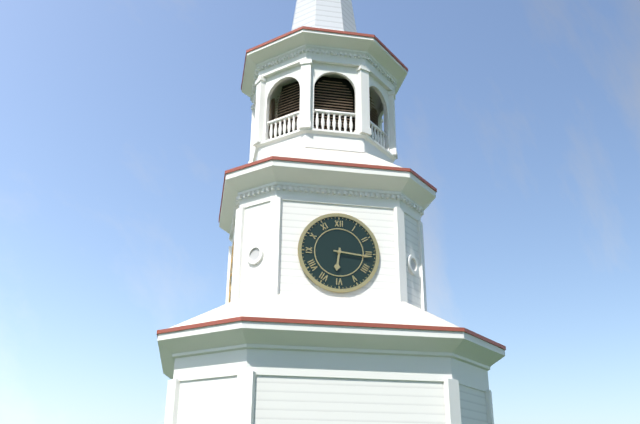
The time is 6 h 16 min
